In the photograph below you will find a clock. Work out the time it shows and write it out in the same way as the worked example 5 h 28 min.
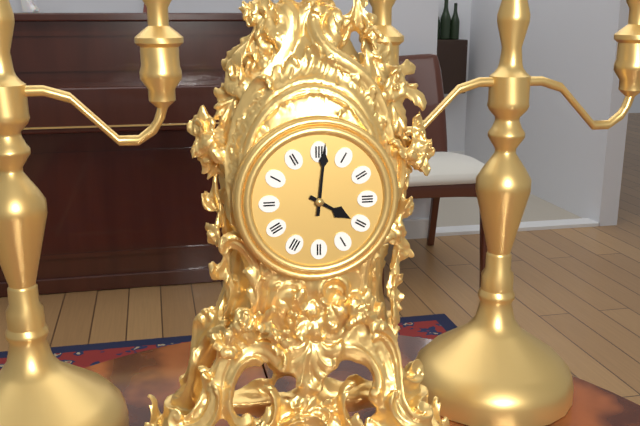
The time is 4 h 01 min
